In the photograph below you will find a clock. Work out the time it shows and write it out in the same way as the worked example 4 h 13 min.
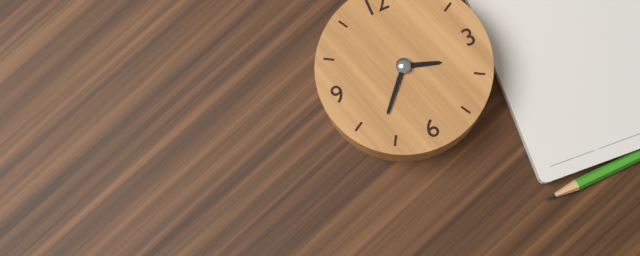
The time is 3 h 37 min
